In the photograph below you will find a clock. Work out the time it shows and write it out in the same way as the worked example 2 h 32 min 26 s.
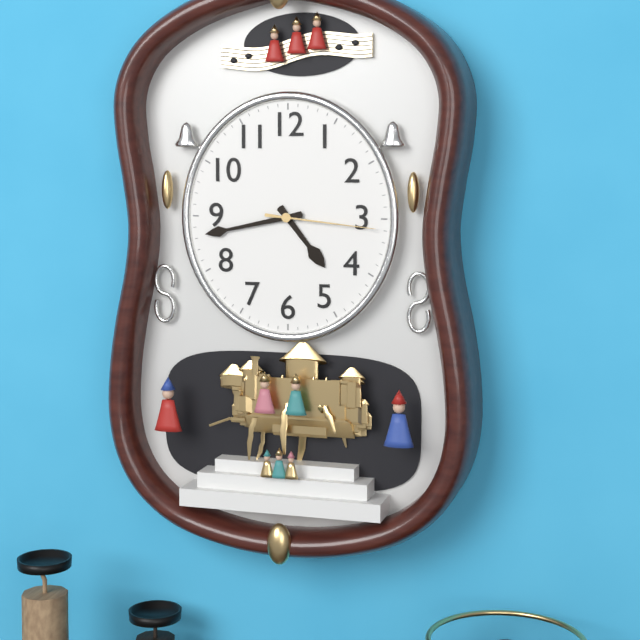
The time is 4 h 43 min 16 s
